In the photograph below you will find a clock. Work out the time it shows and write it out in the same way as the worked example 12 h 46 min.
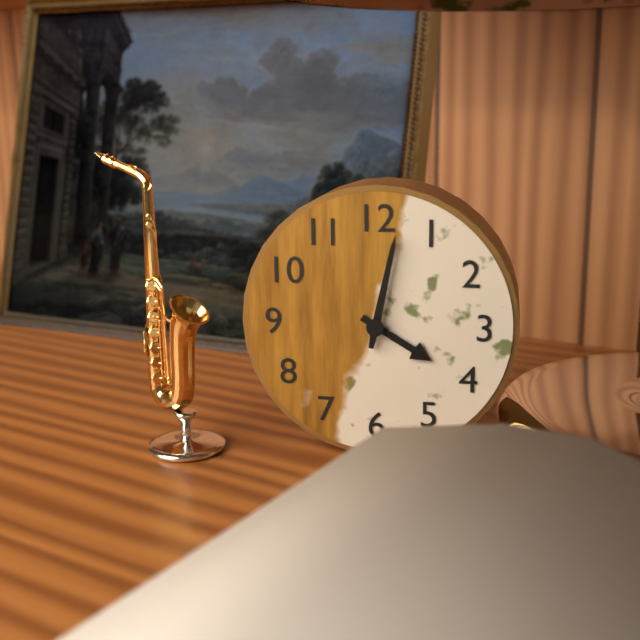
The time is 4 h 02 min
